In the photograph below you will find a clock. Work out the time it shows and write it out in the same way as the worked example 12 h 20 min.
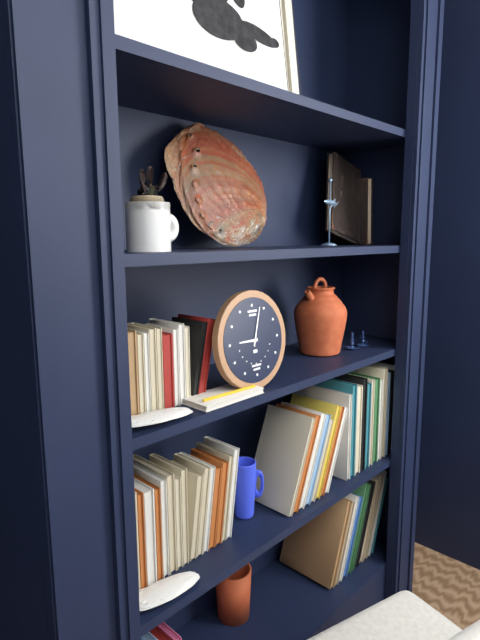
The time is 9 h 03 min
